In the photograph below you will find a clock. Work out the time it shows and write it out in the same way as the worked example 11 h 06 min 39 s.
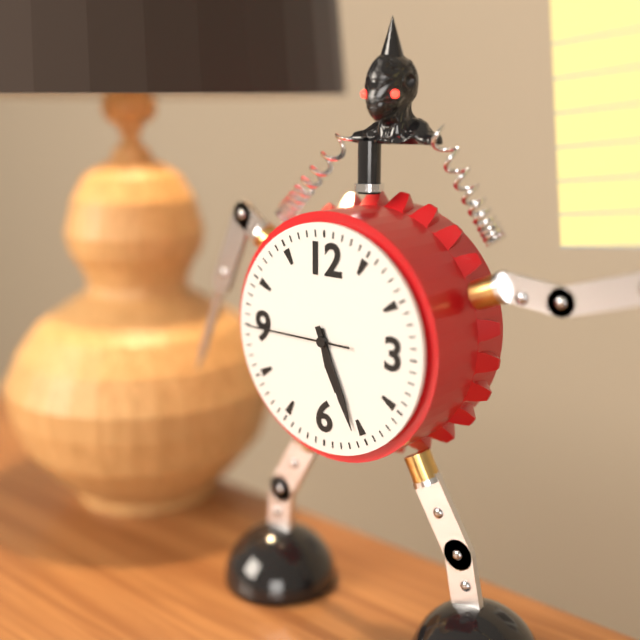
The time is 5 h 26 min 45 s
